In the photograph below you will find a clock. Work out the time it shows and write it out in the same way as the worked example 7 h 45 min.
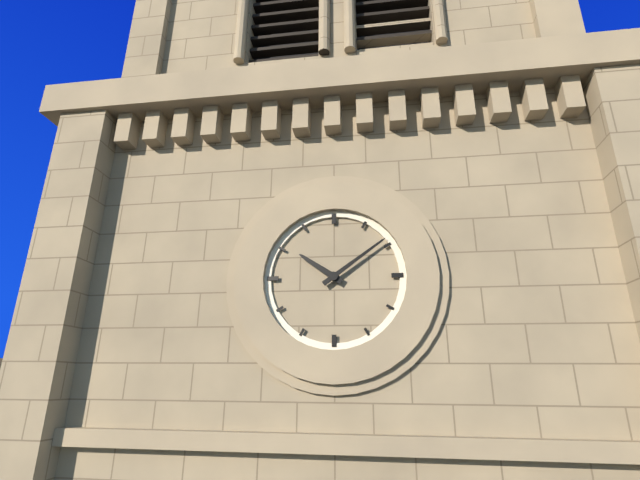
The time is 10 h 09 min
